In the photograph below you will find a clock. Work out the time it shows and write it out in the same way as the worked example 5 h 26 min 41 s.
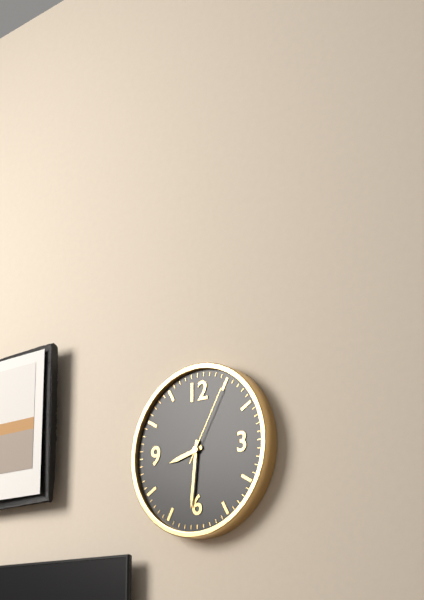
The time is 8 h 31 min 05 s
